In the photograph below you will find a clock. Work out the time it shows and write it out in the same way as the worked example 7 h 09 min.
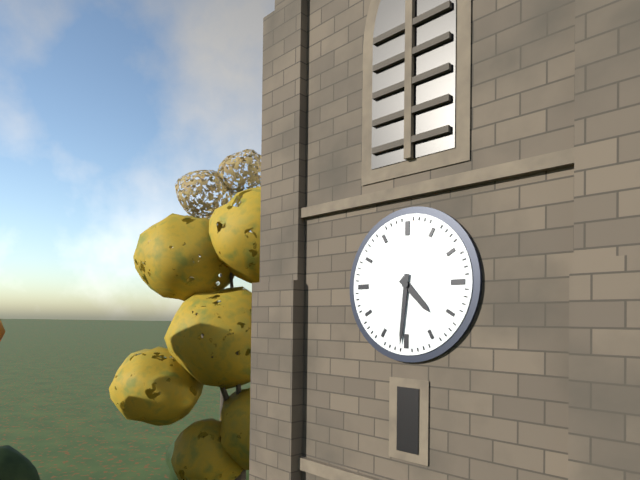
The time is 4 h 31 min
